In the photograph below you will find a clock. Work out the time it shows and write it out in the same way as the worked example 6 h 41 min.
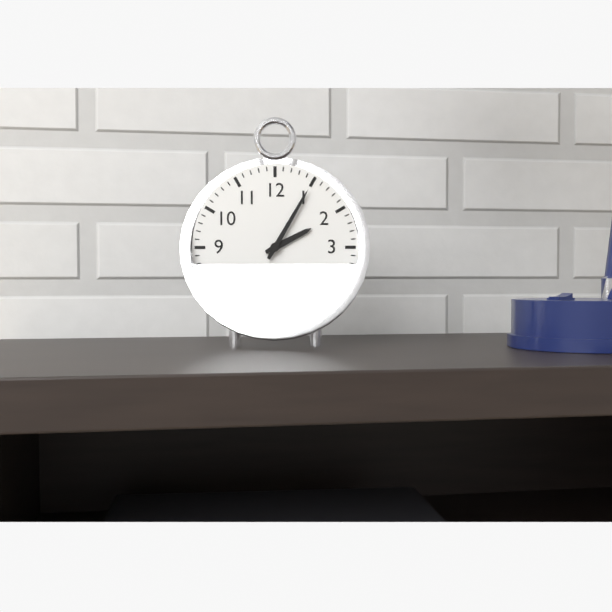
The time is 2 h 05 min
